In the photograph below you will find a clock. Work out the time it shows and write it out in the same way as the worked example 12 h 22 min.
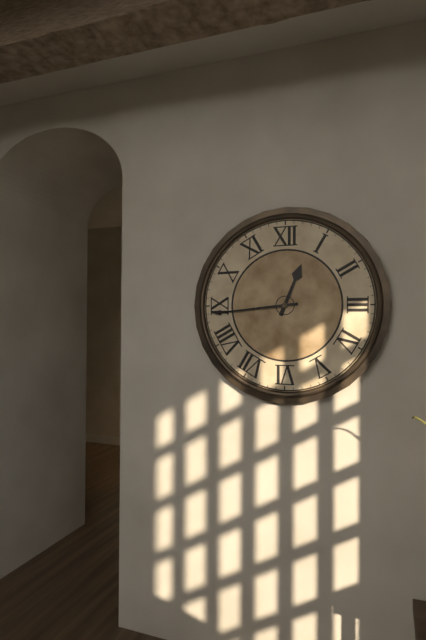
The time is 12 h 44 min
